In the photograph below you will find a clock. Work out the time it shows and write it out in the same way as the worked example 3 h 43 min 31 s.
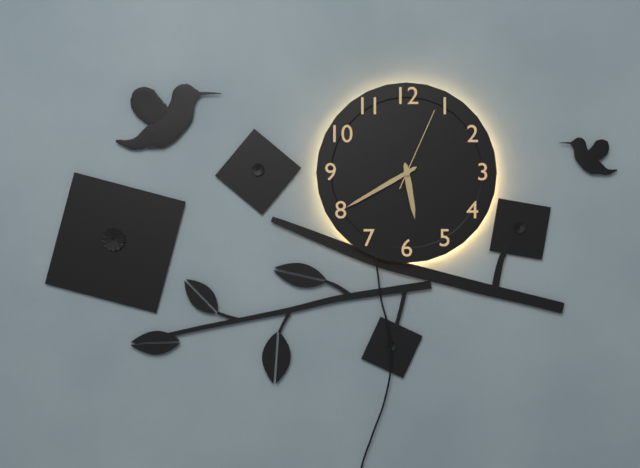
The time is 5 h 40 min 04 s
